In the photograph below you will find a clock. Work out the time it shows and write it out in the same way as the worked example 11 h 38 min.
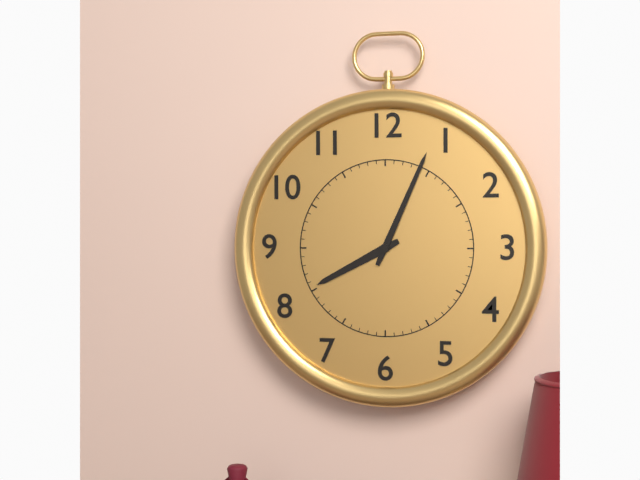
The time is 8 h 04 min
